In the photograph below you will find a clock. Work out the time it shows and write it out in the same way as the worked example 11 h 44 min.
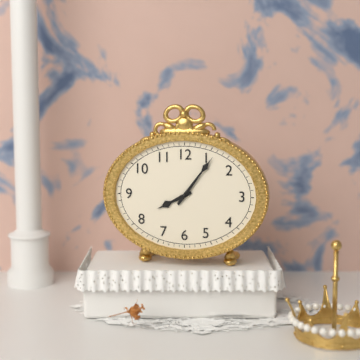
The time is 8 h 06 min
